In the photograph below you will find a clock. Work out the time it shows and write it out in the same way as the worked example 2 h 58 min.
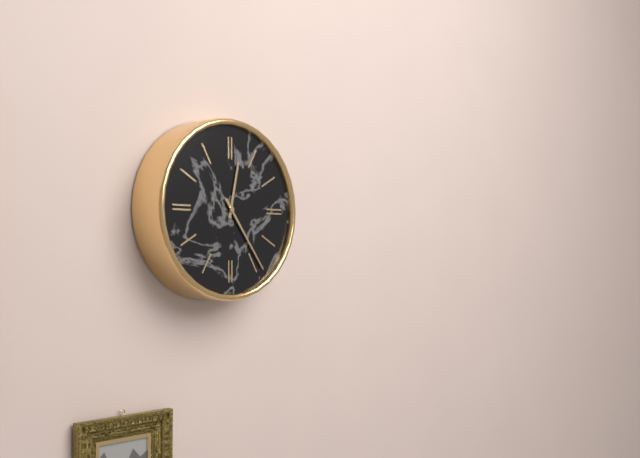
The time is 12 h 24 min
